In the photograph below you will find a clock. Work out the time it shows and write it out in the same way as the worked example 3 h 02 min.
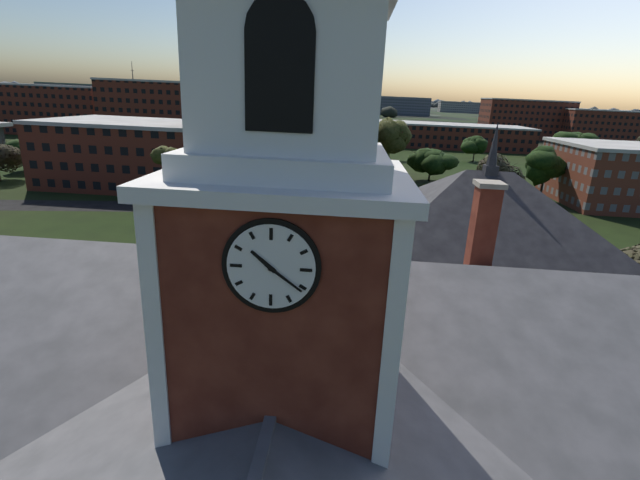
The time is 10 h 21 min
